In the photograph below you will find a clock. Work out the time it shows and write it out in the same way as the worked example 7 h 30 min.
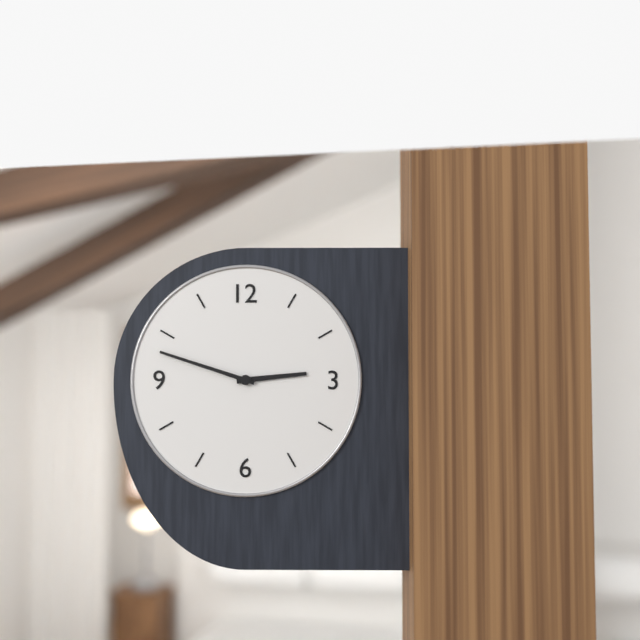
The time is 2 h 48 min
